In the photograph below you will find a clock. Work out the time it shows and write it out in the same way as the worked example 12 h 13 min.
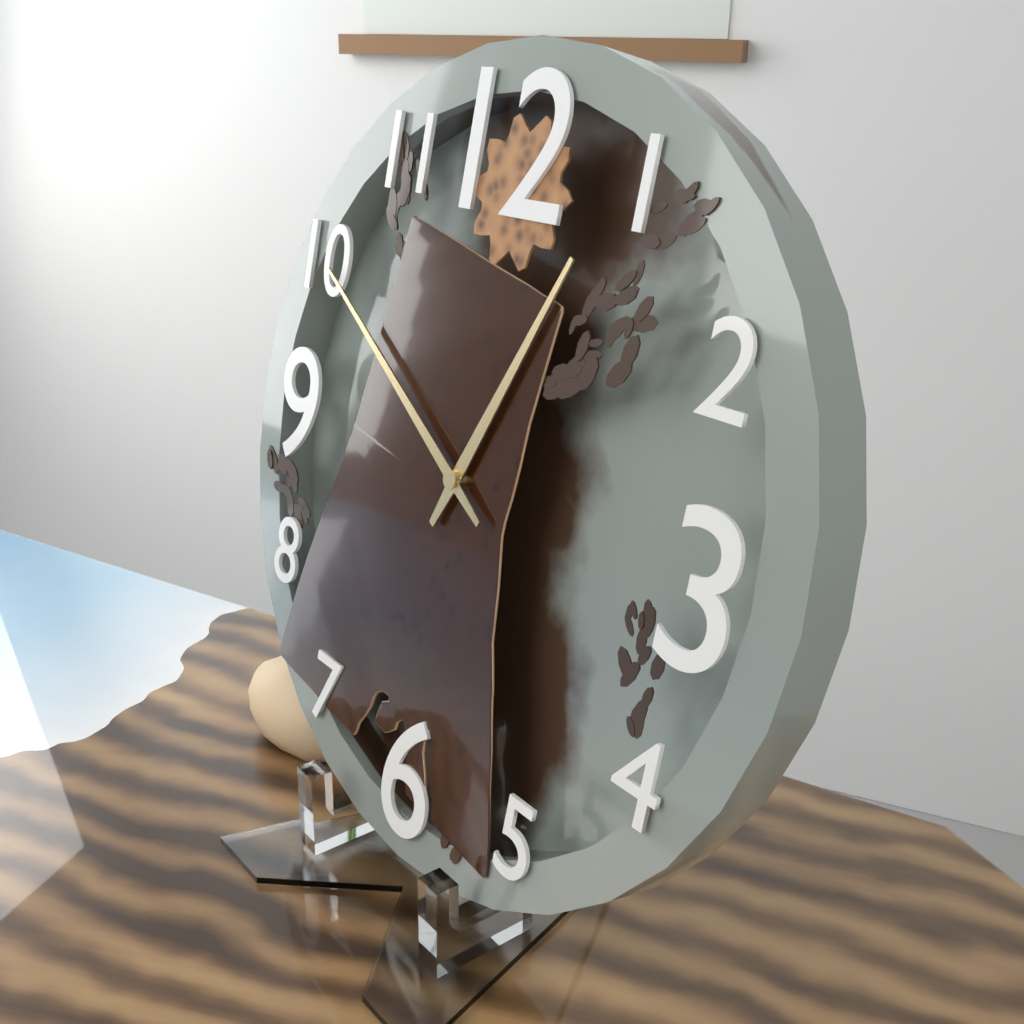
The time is 12 h 50 min
